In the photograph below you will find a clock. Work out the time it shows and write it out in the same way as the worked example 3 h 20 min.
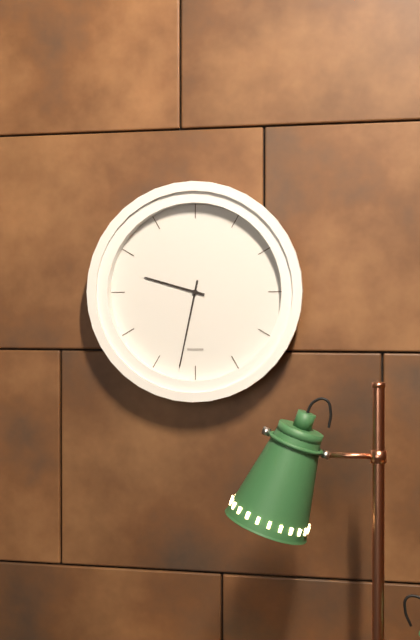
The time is 9 h 32 min
